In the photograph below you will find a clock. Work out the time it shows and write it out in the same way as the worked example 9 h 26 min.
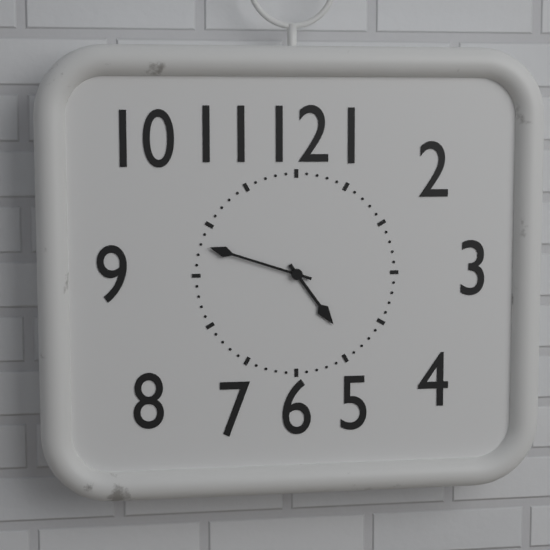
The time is 4 h 48 min
